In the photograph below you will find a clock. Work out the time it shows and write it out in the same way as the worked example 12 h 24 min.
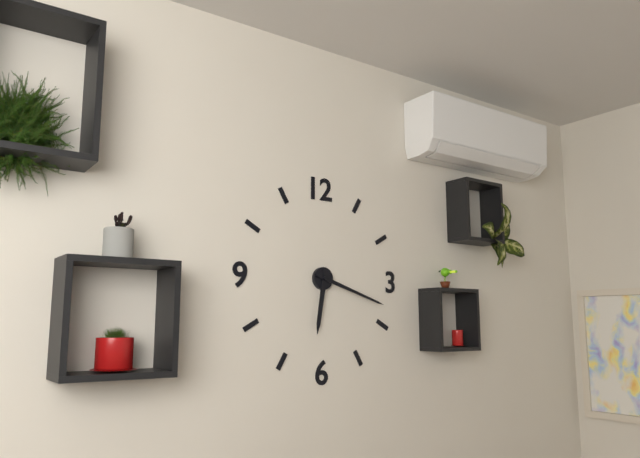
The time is 6 h 18 min
